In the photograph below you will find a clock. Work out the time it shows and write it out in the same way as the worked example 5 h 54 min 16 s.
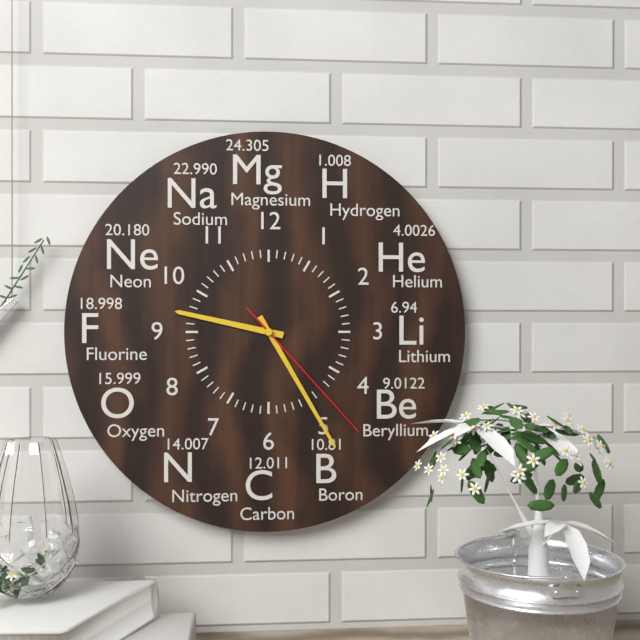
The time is 9 h 25 min 23 s
